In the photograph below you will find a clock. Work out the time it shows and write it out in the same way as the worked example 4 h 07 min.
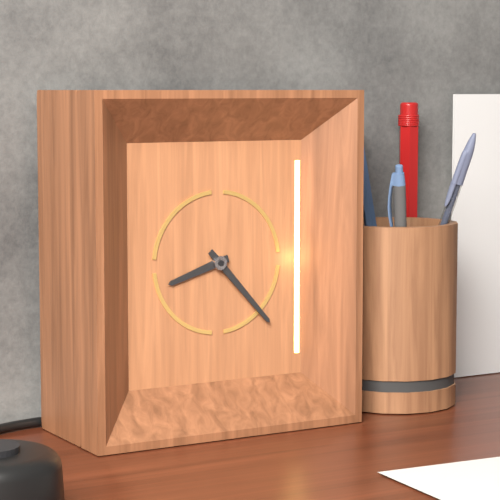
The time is 8 h 23 min
